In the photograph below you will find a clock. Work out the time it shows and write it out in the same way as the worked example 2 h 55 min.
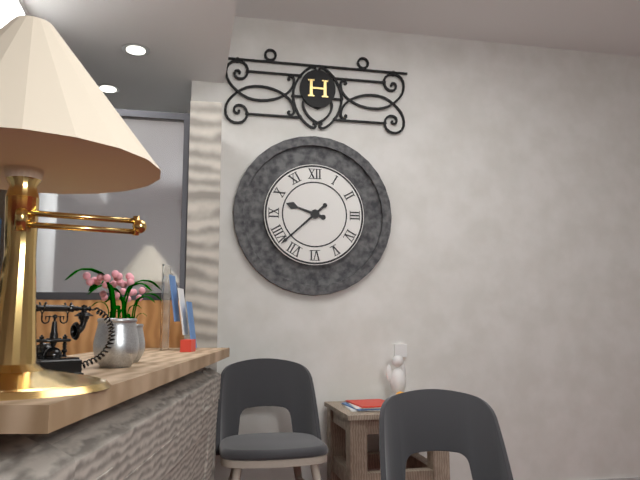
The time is 9 h 38 min
